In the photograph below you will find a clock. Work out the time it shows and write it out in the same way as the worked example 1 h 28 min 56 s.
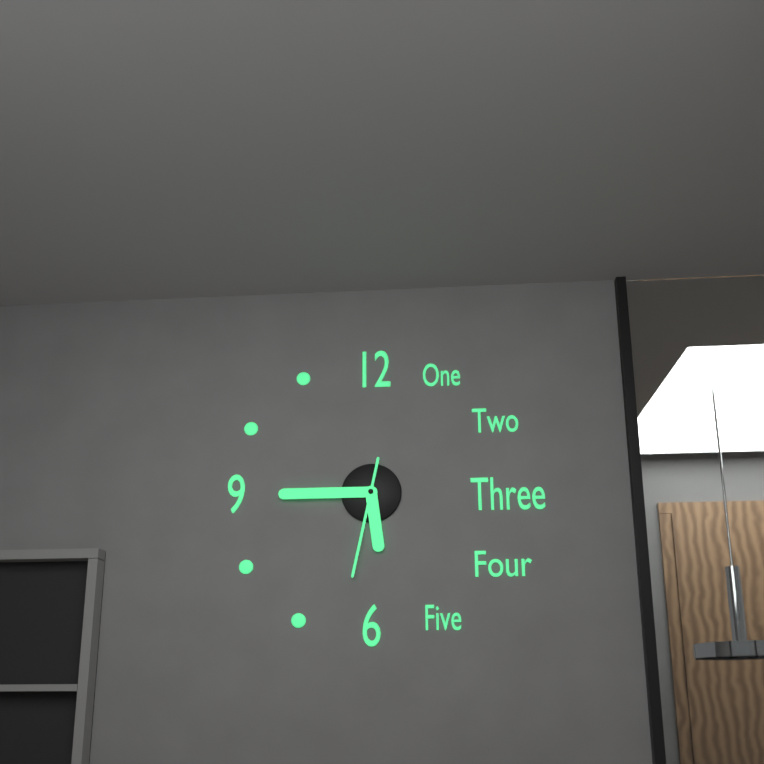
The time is 5 h 45 min 32 s
